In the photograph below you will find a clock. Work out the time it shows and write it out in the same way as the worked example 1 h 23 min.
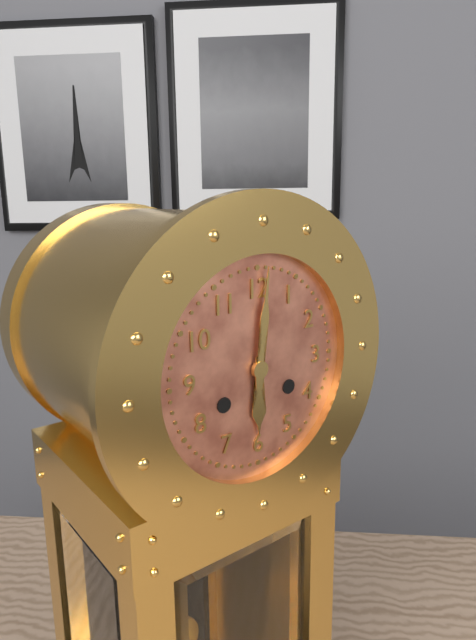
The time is 6 h 01 min
